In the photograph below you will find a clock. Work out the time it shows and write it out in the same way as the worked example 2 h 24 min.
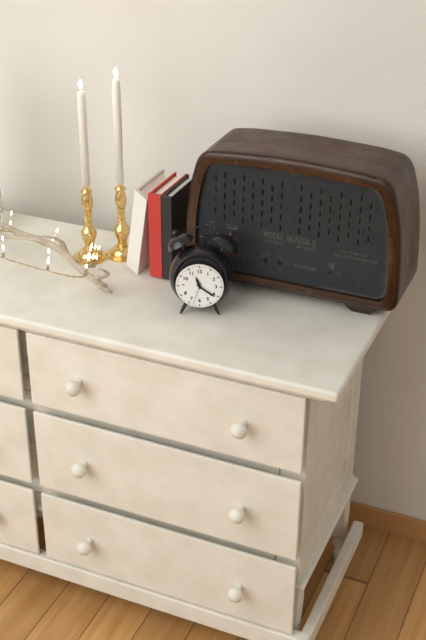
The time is 11 h 21 min
